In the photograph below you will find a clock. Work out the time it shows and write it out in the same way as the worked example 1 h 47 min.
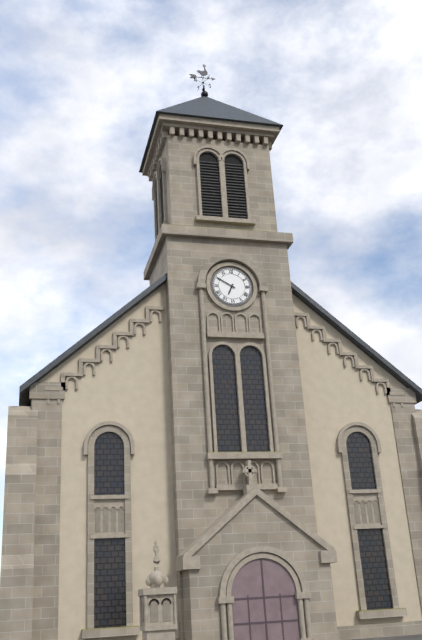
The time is 6 h 50 min
